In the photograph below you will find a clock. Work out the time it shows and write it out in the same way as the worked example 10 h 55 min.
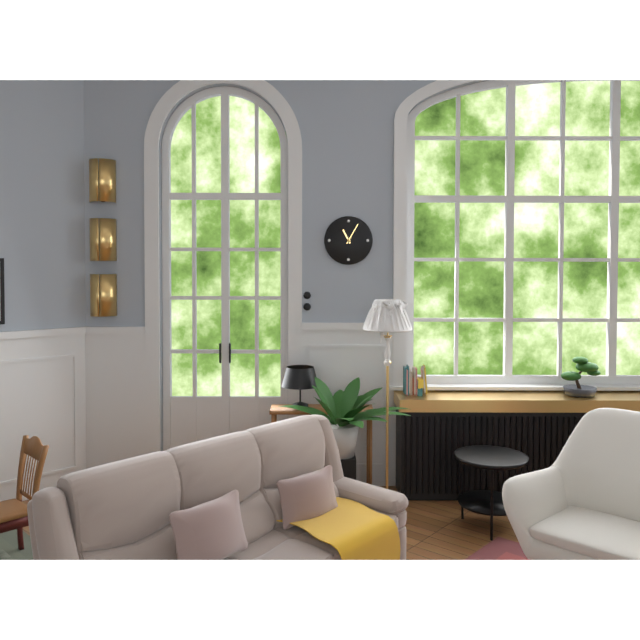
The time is 11 h 05 min
